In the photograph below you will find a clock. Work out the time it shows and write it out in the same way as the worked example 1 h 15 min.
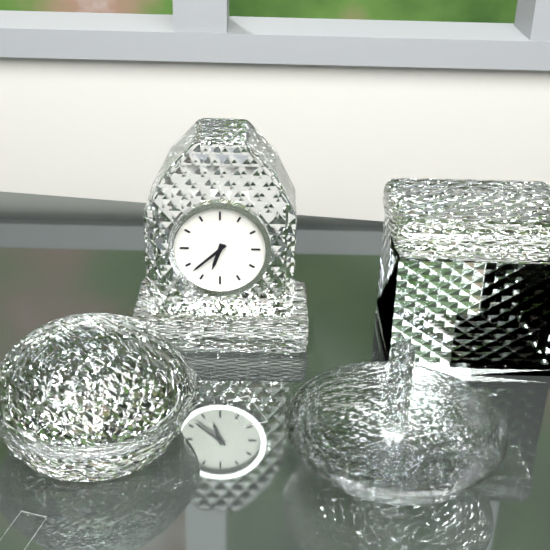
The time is 6 h 38 min
